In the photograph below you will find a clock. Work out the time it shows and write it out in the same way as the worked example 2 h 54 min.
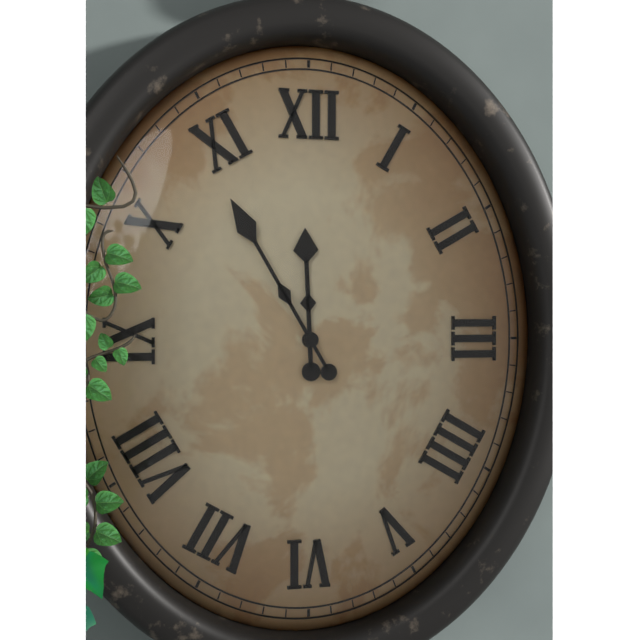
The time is 11 h 55 min
